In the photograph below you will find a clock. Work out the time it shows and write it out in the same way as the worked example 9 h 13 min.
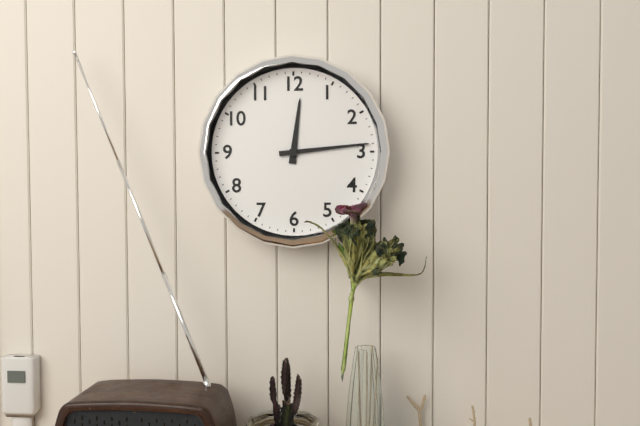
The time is 12 h 14 min
